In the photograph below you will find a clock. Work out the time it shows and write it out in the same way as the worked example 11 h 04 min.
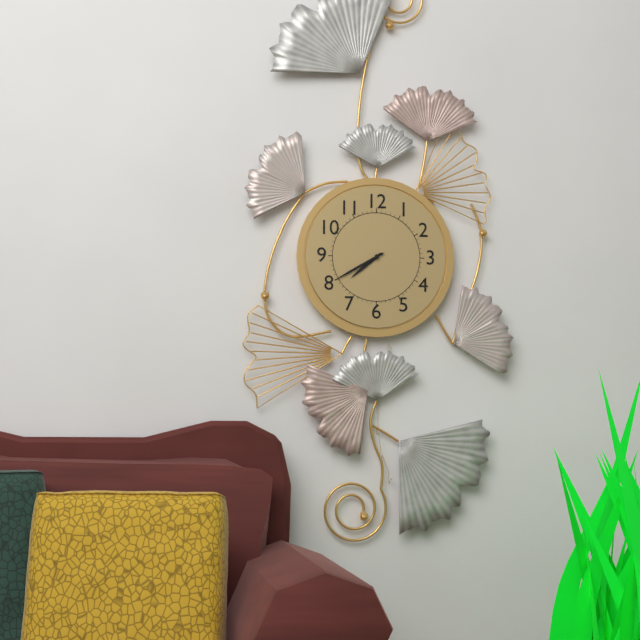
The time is 7 h 40 min
